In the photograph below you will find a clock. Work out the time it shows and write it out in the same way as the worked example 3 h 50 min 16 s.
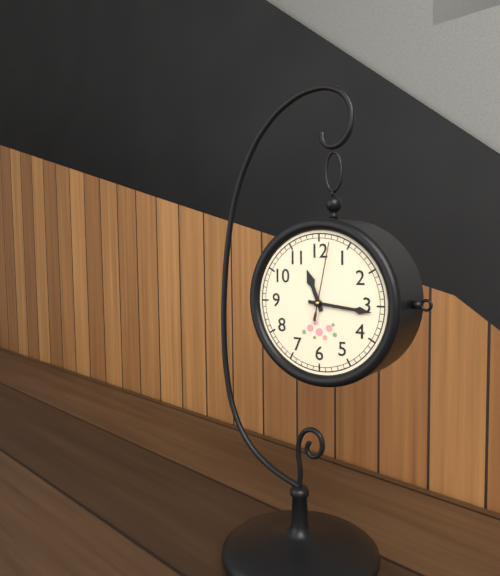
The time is 11 h 16 min 02 s
